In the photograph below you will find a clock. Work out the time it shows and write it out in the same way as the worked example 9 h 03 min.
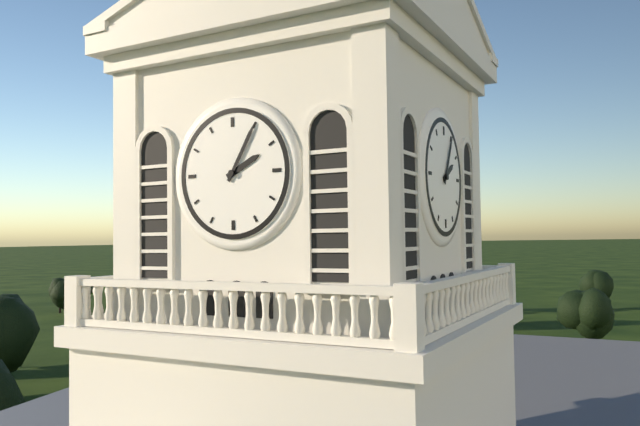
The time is 2 h 05 min
